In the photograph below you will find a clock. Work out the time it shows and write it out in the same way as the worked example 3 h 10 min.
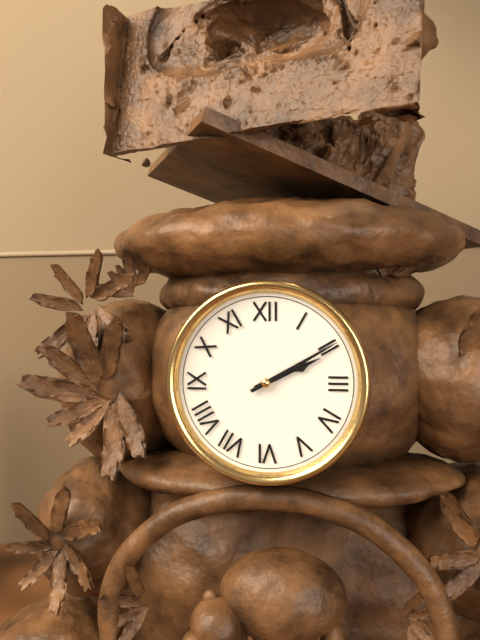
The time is 2 h 10 min
